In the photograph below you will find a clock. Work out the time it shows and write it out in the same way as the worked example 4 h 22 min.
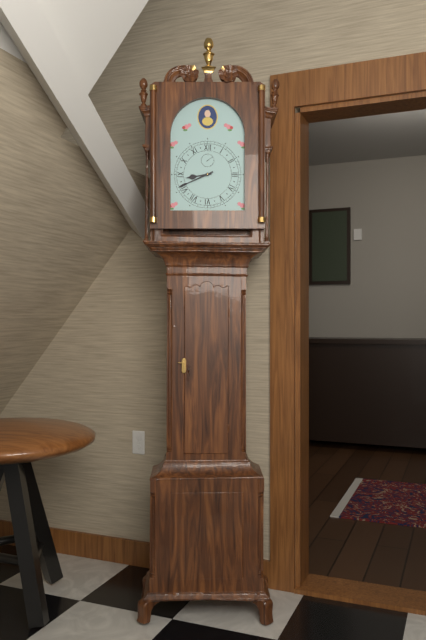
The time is 8 h 41 min
